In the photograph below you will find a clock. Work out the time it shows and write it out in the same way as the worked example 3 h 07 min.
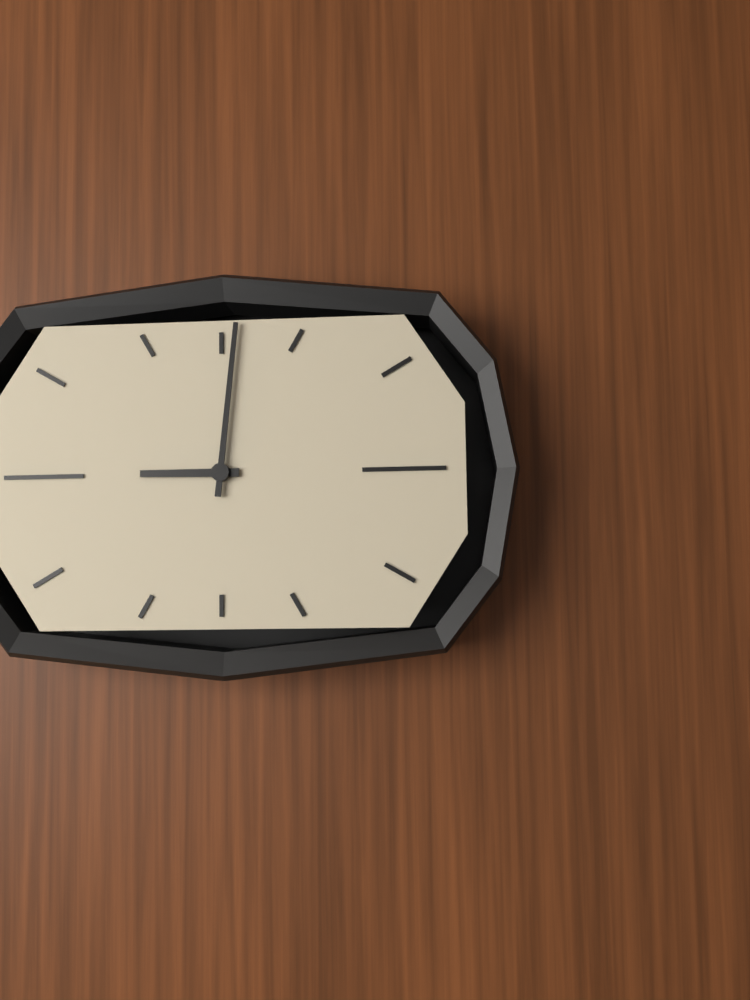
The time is 9 h 01 min
